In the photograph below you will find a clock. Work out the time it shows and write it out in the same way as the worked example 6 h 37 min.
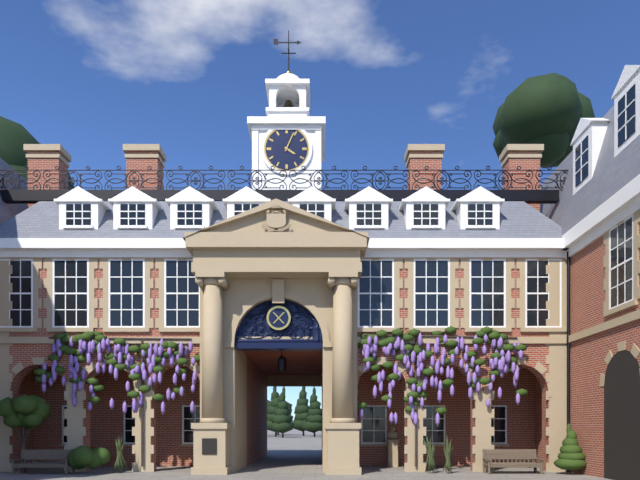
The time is 4 h 04 min
